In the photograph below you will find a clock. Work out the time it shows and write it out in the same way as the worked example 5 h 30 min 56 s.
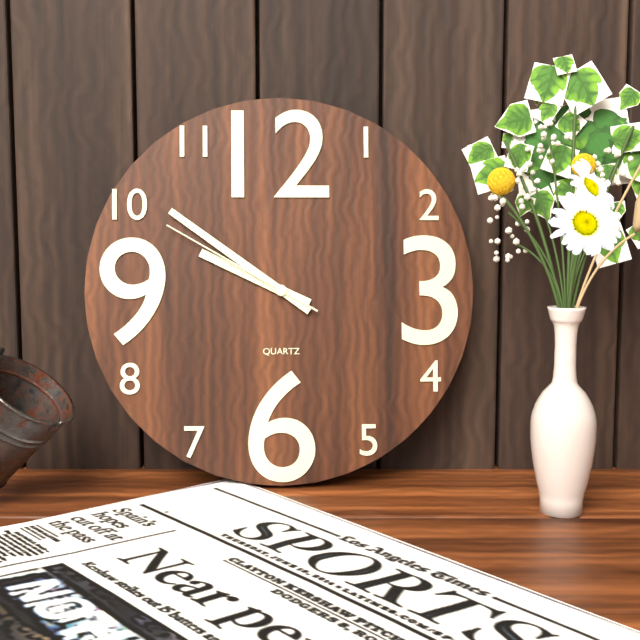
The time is 9 h 51 min 50 s
